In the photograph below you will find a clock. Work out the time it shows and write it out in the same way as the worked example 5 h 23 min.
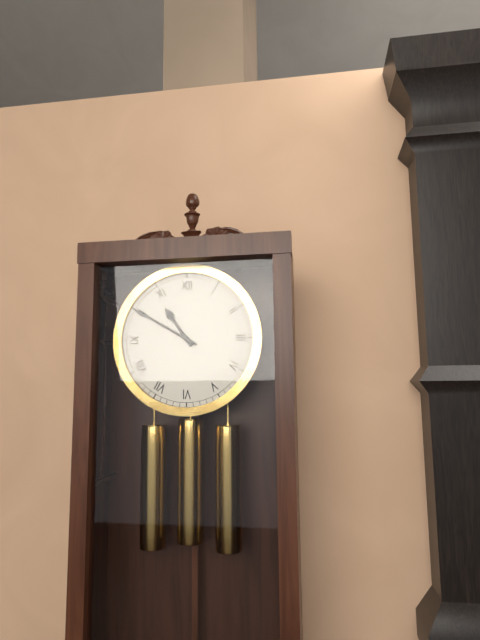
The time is 10 h 50 min
